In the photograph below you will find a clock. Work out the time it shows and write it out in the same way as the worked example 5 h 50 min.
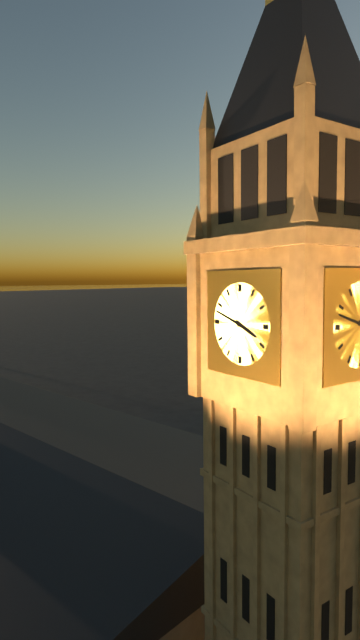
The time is 3 h 48 min
